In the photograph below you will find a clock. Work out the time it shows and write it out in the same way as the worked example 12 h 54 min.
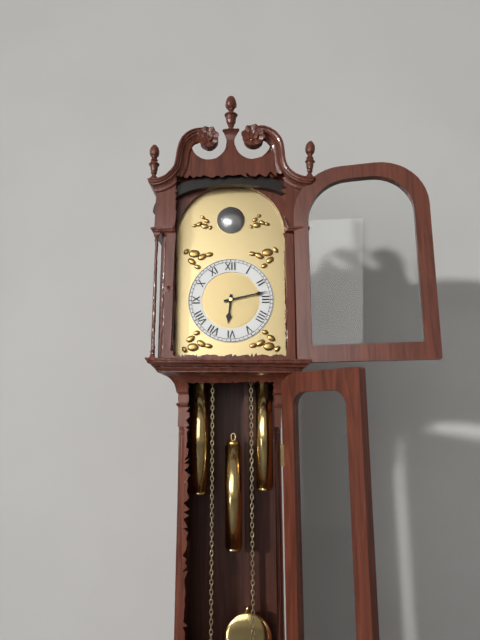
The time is 6 h 13 min
